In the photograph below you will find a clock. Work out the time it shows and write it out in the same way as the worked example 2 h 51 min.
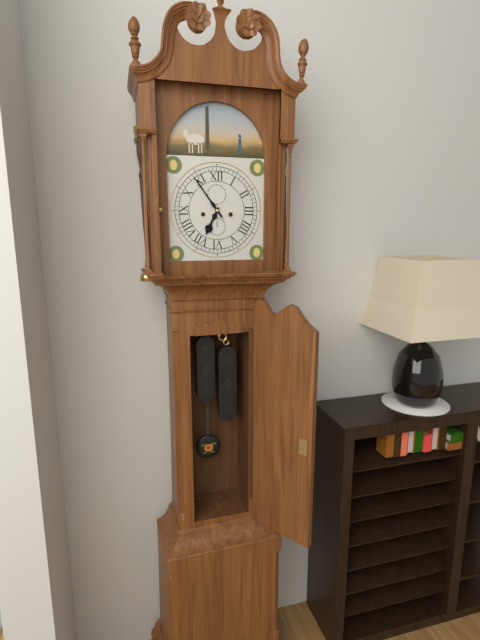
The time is 6 h 54 min
